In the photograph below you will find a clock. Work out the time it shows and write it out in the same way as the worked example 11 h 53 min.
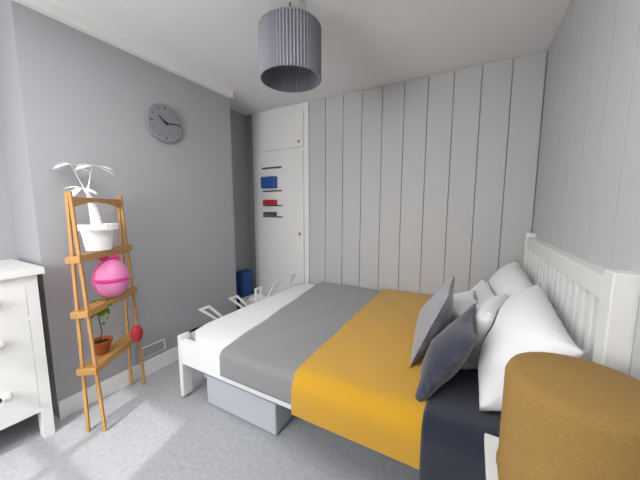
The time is 10 h 14 min
